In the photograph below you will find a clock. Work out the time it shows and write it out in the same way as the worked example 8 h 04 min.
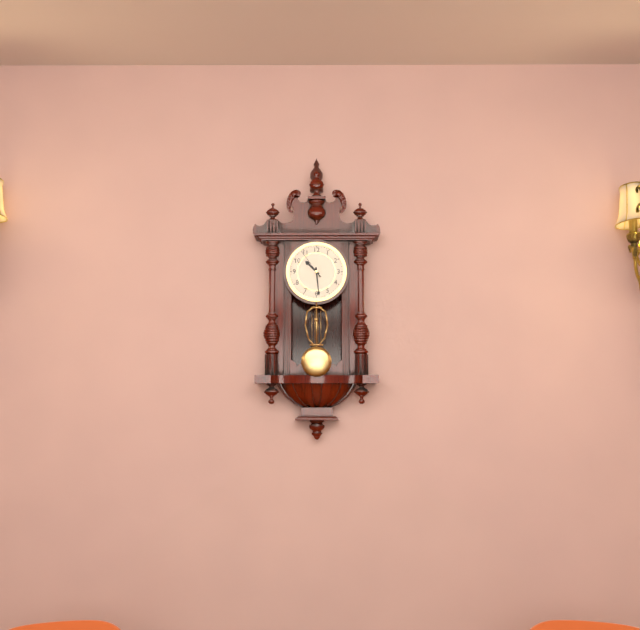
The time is 10 h 29 min
